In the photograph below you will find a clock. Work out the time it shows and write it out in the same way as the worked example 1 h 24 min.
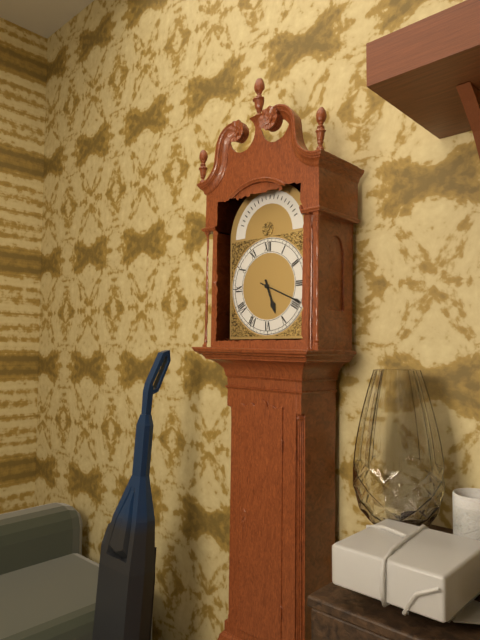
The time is 5 h 19 min
